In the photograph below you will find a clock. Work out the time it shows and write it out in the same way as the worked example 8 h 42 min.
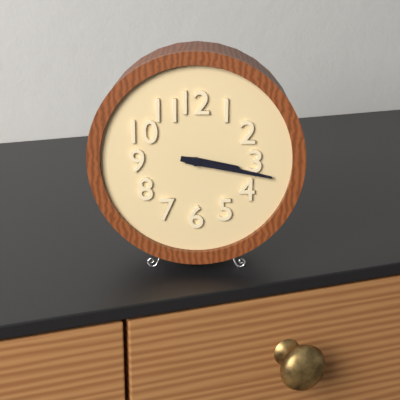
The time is 3 h 17 min
